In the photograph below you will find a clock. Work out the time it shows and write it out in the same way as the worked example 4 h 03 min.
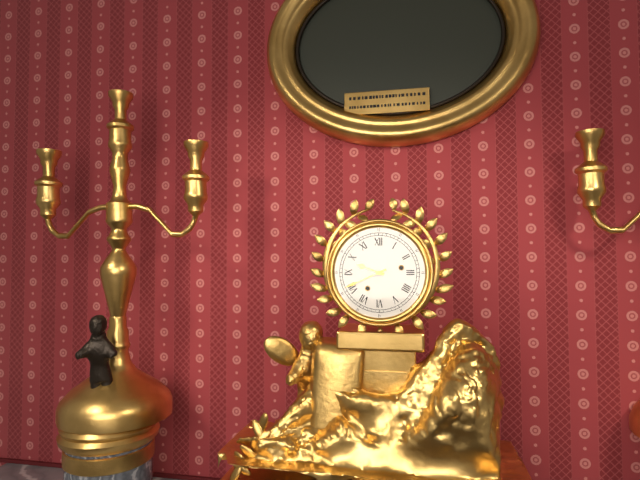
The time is 9 h 41 min
